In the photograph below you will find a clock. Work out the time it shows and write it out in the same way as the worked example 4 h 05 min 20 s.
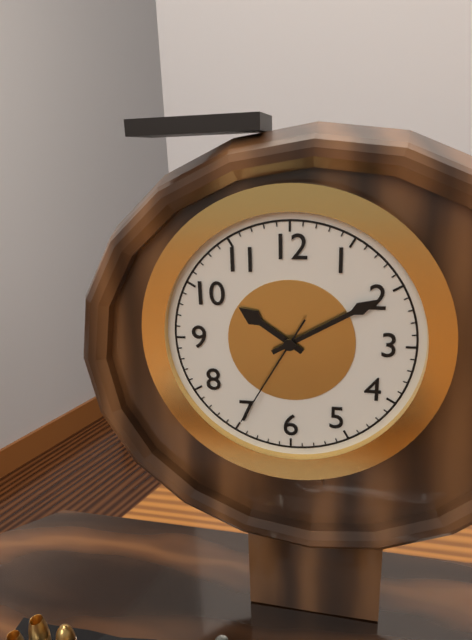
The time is 10 h 10 min 35 s
